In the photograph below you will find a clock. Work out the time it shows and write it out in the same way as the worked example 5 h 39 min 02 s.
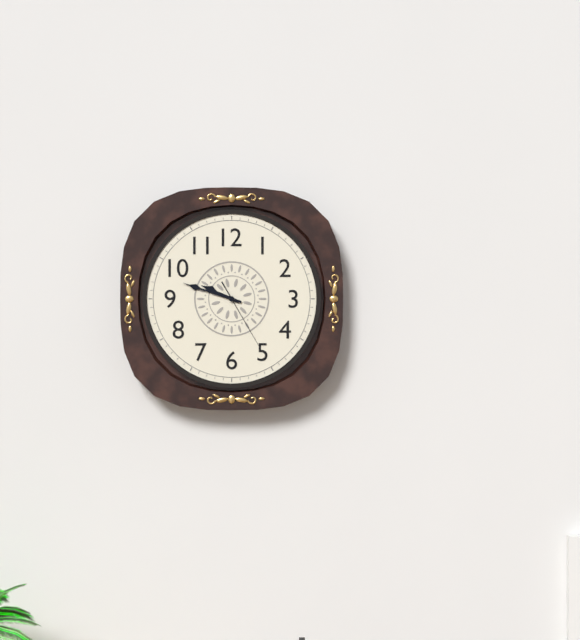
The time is 9 h 48 min 25 s
